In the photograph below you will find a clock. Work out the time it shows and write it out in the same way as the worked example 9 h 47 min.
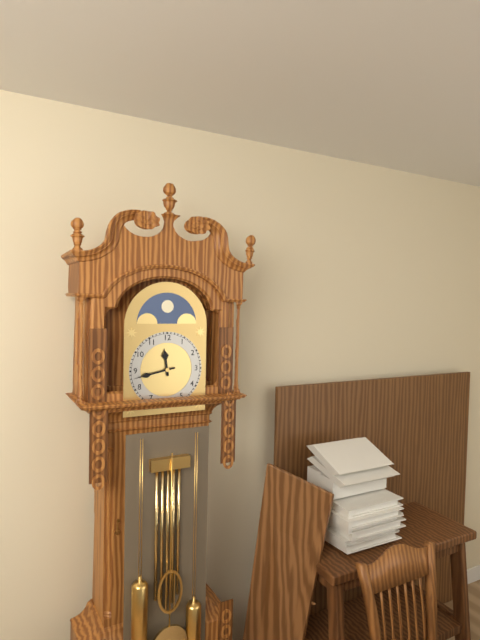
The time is 11 h 43 min
